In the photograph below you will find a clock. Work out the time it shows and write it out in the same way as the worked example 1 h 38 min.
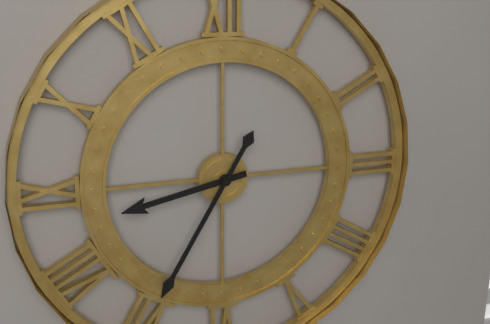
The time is 8 h 35 min
